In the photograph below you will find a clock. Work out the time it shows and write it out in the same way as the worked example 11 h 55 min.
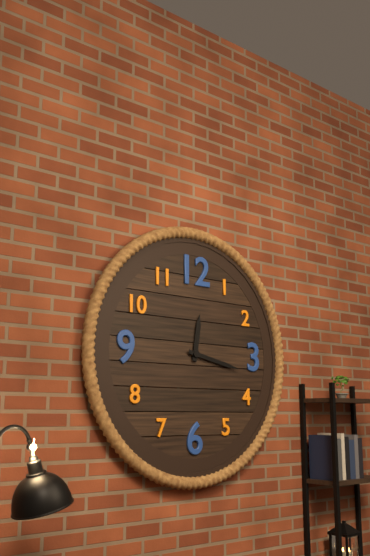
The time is 12 h 17 min
